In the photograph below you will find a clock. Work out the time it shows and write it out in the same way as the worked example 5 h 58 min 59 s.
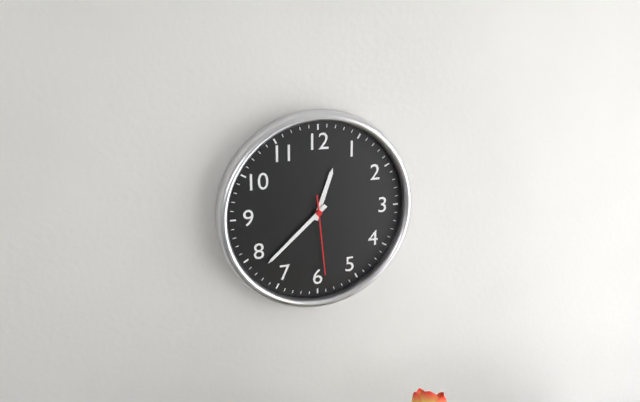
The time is 12 h 38 min 29 s
